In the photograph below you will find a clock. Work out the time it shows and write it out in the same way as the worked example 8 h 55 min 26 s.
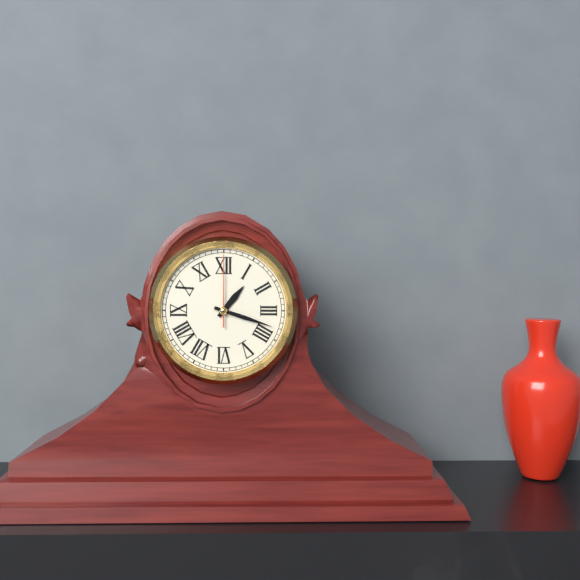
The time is 1 h 18 min 00 s
